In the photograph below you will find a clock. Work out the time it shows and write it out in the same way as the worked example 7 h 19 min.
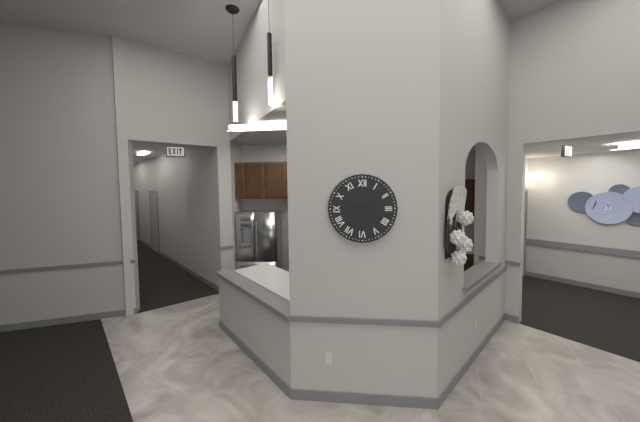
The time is 10 h 09 min
